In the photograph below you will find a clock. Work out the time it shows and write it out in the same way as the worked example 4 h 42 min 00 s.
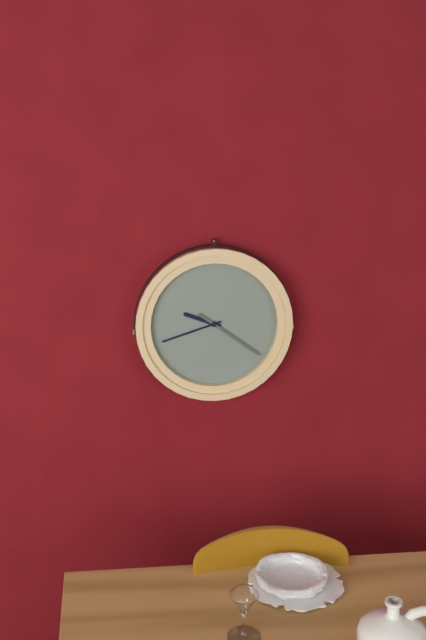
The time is 9 h 42 min 21 s
